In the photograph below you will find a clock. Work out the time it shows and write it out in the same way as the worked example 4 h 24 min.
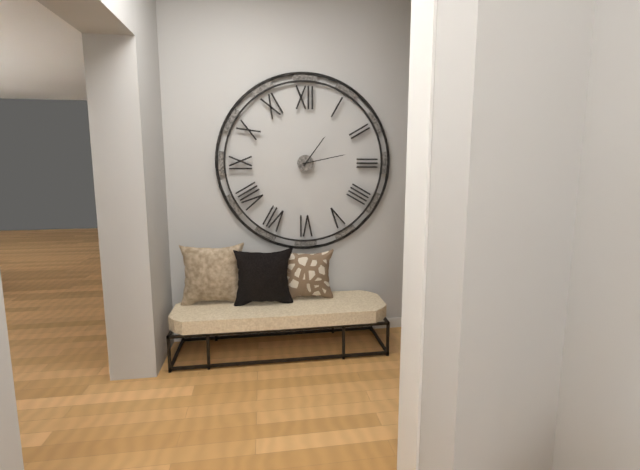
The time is 1 h 13 min
